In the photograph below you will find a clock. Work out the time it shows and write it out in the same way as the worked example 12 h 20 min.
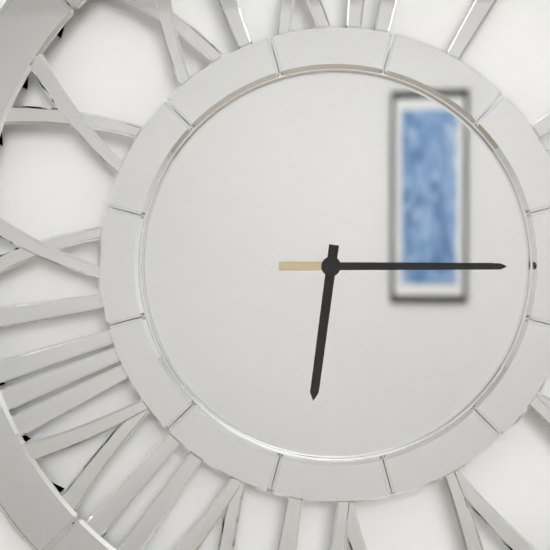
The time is 6 h 15 min
